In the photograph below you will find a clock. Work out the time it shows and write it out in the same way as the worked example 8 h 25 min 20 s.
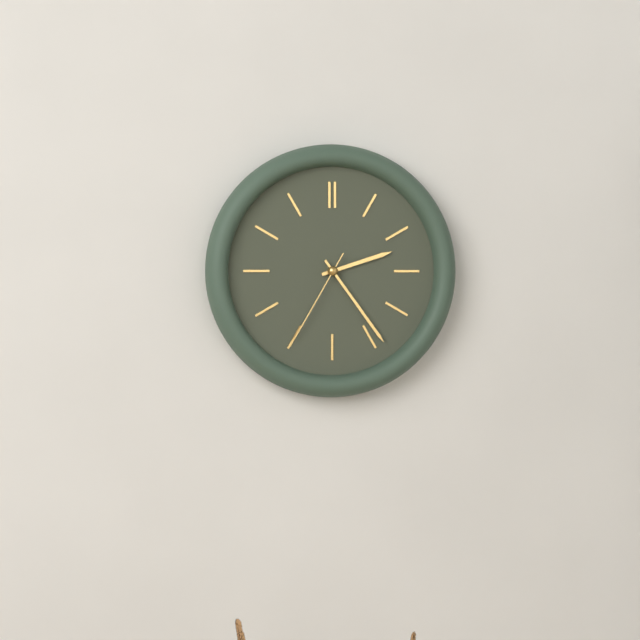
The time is 2 h 24 min 35 s
